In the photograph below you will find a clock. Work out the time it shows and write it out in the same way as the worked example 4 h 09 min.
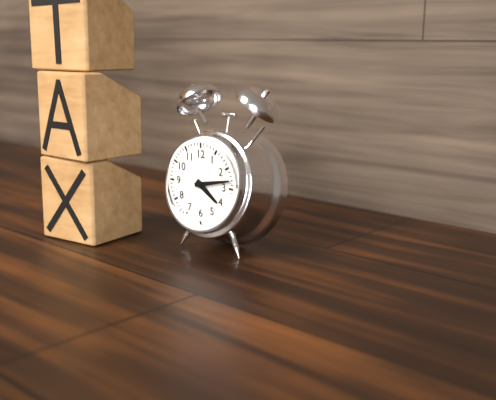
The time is 4 h 13 min
